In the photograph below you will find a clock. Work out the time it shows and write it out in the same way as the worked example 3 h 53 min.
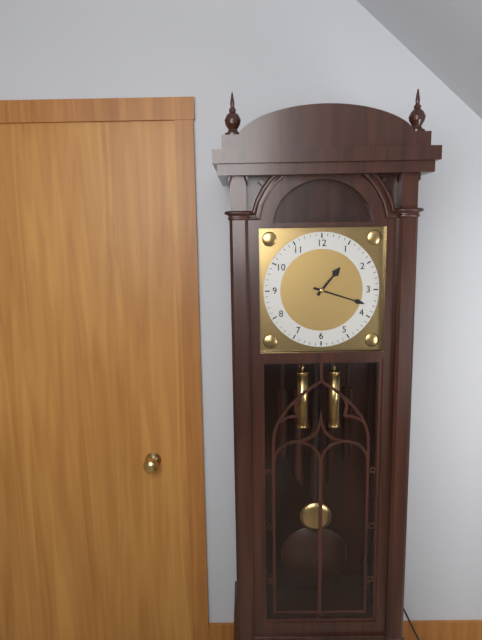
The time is 1 h 18 min
